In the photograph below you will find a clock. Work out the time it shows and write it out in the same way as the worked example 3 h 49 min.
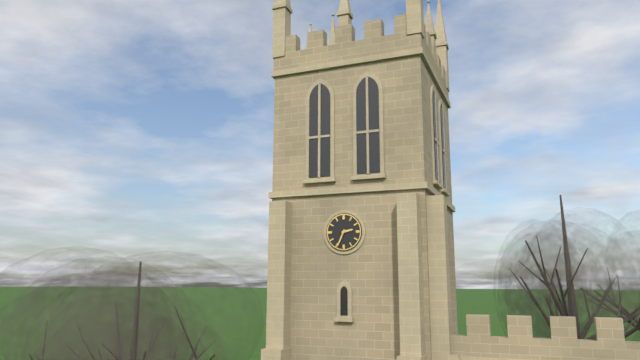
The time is 2 h 34 min
